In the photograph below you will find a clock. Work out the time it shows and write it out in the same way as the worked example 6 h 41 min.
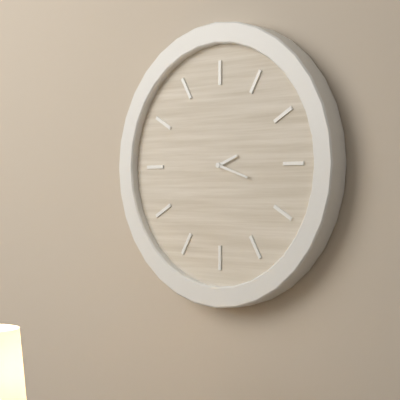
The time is 2 h 18 min
